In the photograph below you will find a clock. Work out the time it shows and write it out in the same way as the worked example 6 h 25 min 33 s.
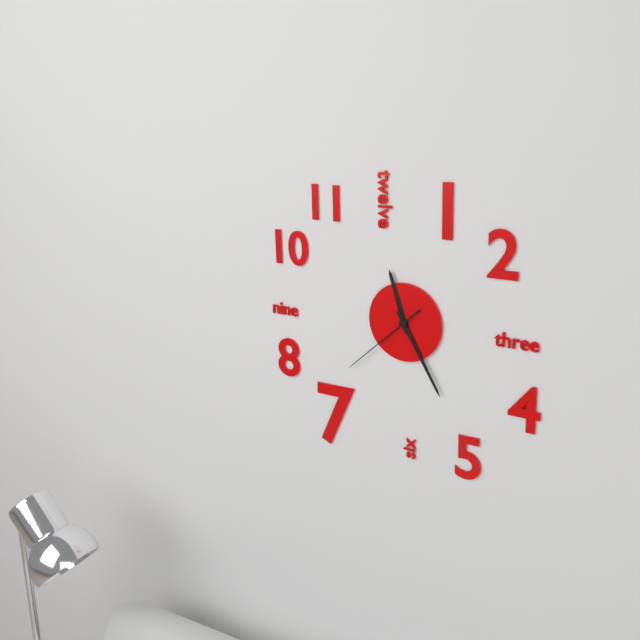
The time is 11 h 25 min 38 s
